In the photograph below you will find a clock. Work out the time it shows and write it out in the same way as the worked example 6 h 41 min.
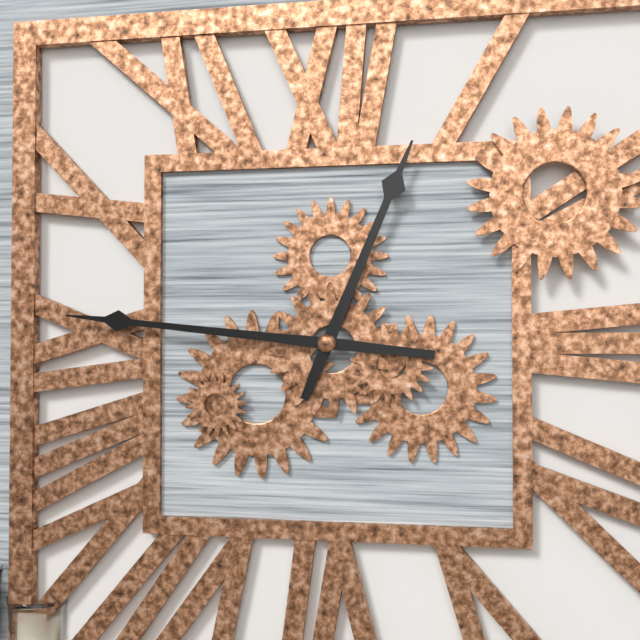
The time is 12 h 46 min
